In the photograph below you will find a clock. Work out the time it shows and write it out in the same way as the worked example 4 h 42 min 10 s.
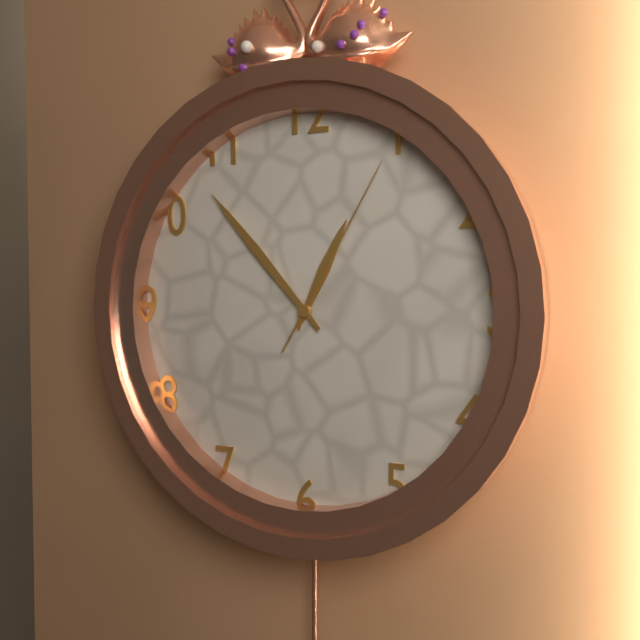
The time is 12 h 53 min 05 s
